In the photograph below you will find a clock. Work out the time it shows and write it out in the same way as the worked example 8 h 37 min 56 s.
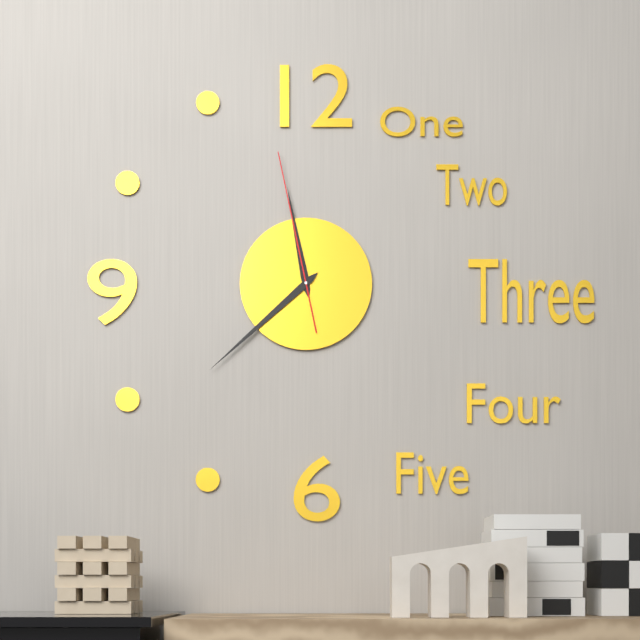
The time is 11 h 38 min 58 s
